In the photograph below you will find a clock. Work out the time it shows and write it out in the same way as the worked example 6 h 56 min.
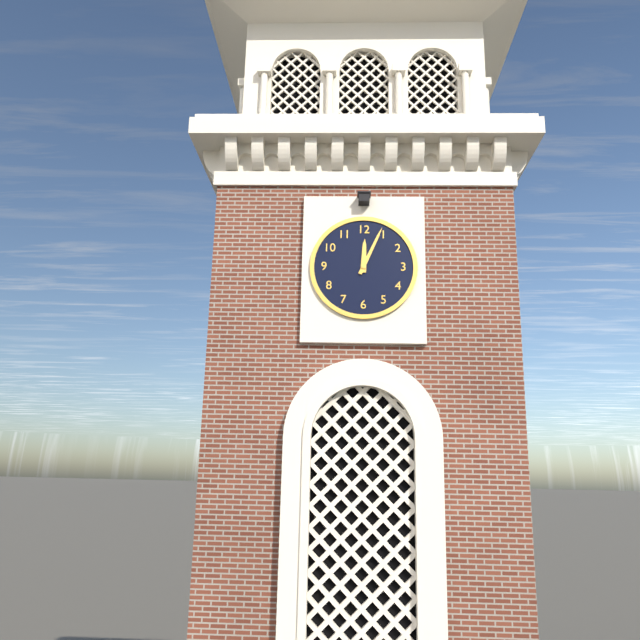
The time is 12 h 04 min
